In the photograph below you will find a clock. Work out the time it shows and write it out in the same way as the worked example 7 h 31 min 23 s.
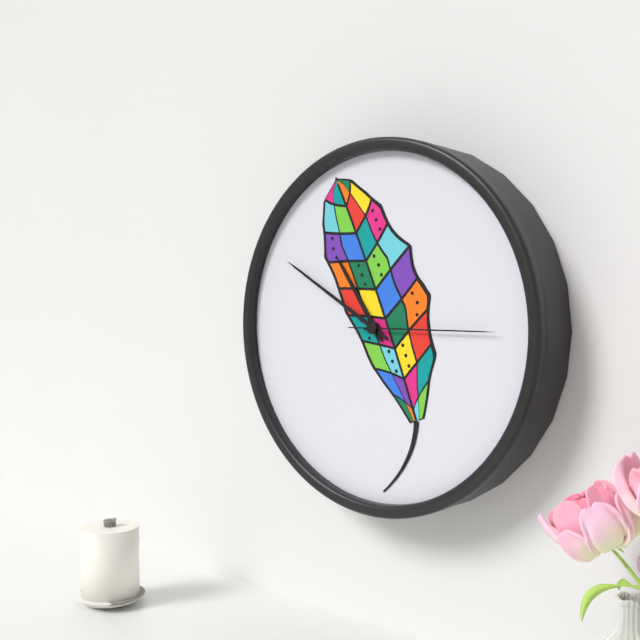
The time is 10 h 50 min 15 s
